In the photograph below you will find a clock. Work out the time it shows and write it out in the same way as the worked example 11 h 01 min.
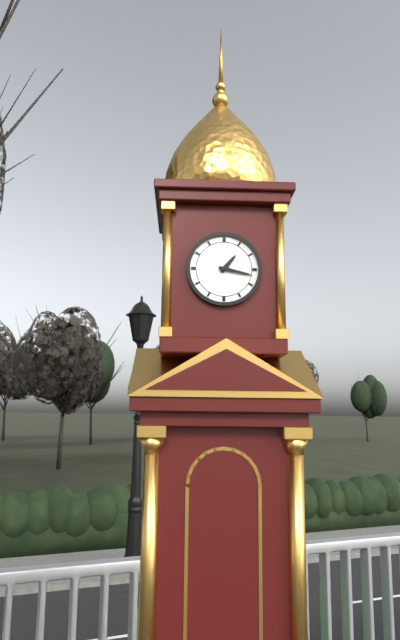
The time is 1 h 17 min
